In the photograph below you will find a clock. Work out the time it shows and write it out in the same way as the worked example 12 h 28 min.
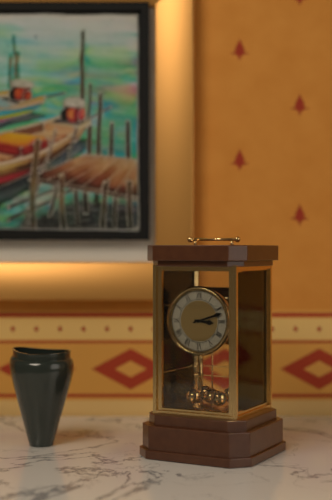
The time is 3 h 12 min
